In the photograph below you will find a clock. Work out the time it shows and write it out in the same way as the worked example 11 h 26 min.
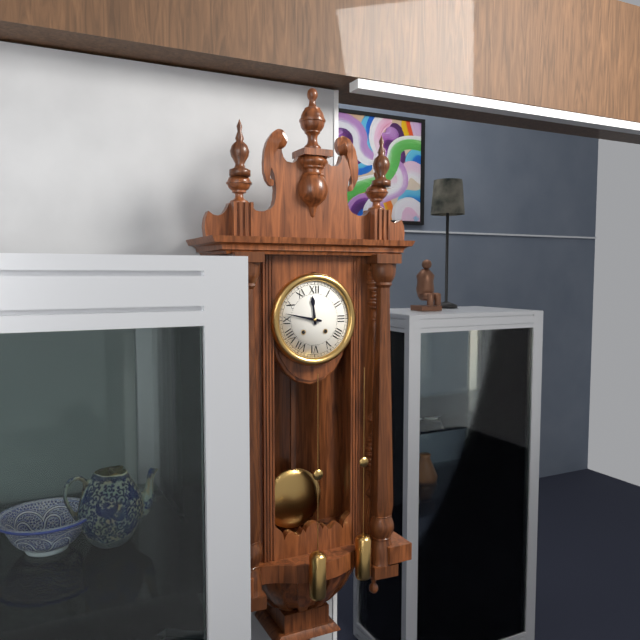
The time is 11 h 47 min
